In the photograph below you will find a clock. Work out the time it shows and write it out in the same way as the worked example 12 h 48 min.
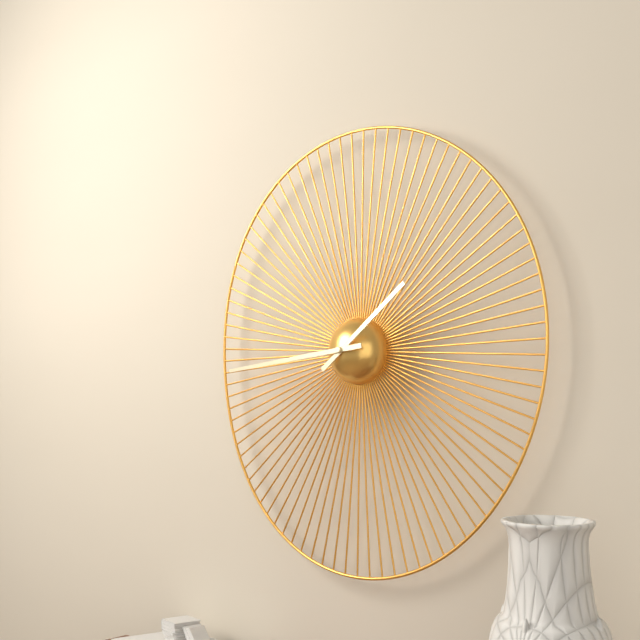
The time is 1 h 44 min
